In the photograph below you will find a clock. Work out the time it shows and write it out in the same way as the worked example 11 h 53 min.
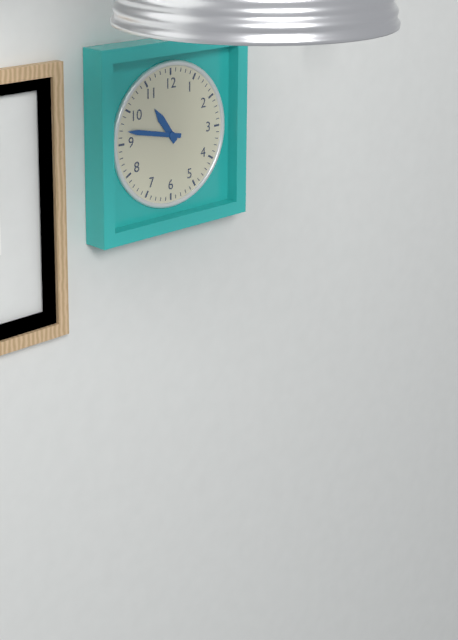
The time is 10 h 47 min
